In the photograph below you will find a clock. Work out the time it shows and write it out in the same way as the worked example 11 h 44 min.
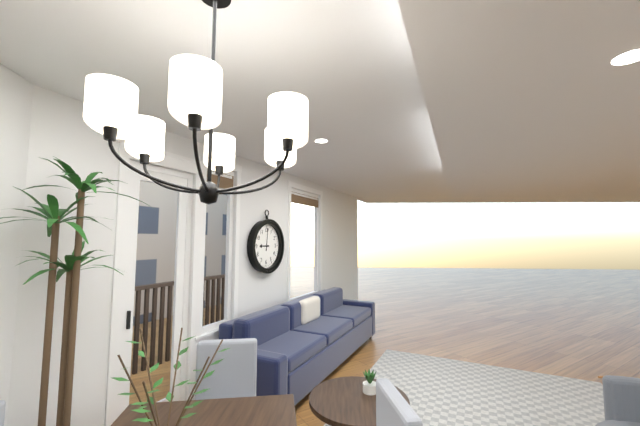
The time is 9 h 01 min
